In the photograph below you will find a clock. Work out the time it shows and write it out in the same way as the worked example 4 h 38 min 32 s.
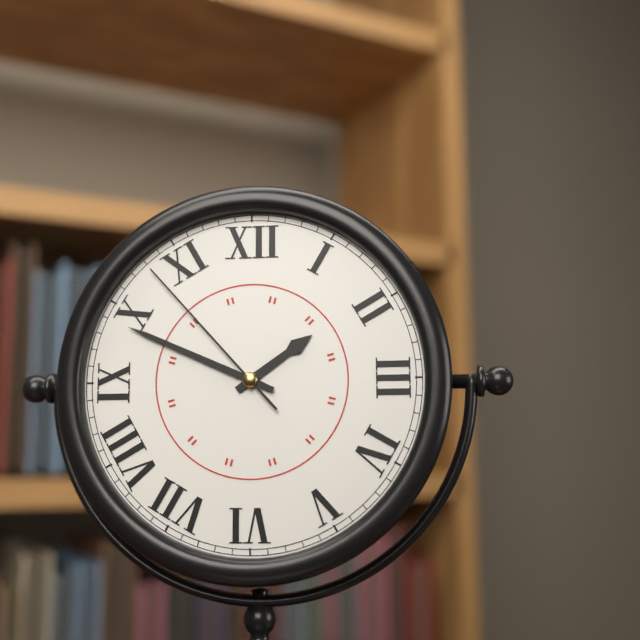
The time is 1 h 49 min 53 s
